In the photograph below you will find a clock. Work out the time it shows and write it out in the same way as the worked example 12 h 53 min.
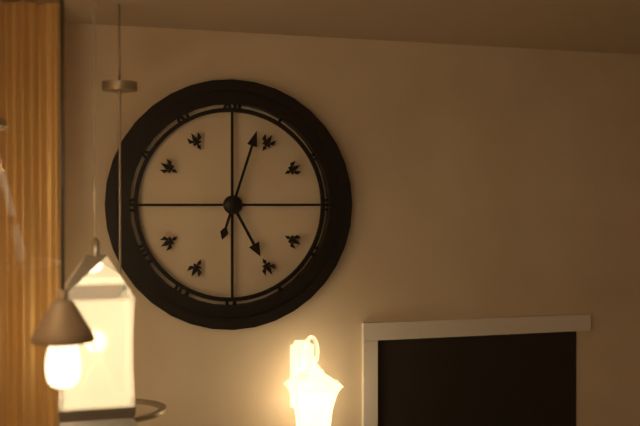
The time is 5 h 03 min
